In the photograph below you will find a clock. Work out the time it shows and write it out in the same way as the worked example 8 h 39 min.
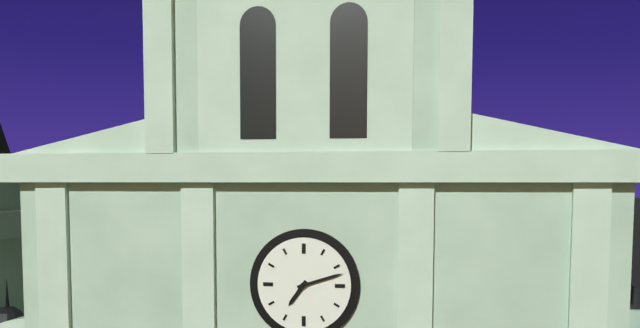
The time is 7 h 12 min
